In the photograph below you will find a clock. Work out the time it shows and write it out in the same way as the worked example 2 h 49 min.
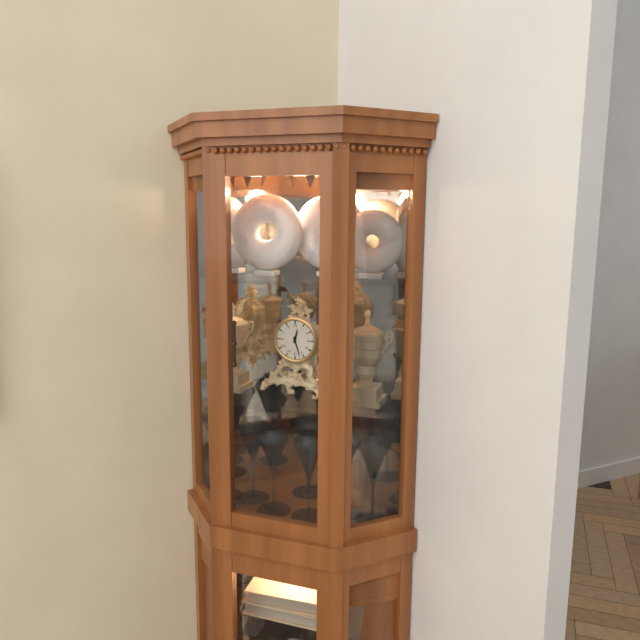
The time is 12 h 27 min
